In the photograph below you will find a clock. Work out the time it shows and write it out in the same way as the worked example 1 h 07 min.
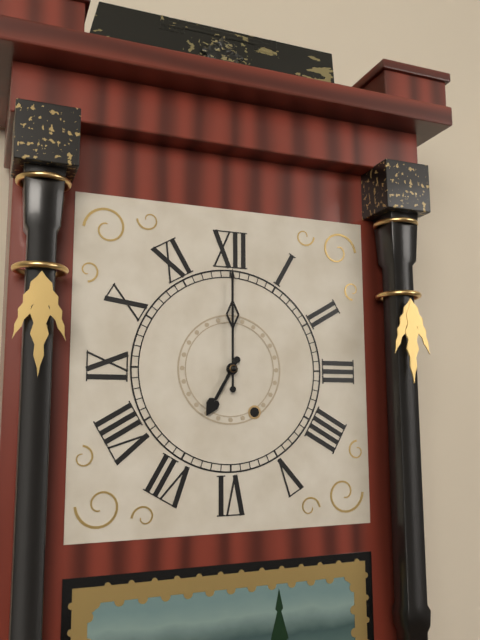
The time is 7 h 00 min
